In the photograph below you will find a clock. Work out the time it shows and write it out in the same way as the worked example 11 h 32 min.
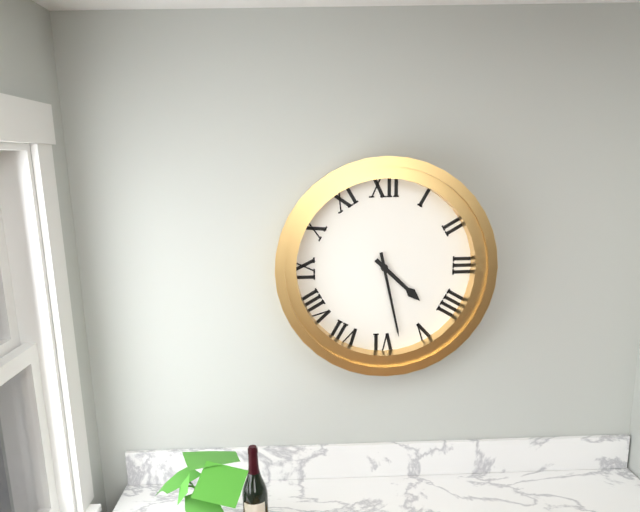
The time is 4 h 28 min
